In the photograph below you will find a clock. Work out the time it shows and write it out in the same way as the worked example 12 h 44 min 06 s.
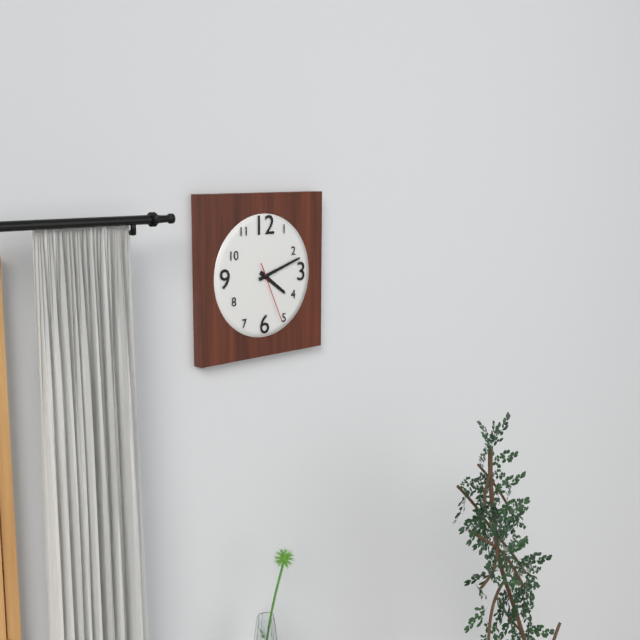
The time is 4 h 12 min 26 s
